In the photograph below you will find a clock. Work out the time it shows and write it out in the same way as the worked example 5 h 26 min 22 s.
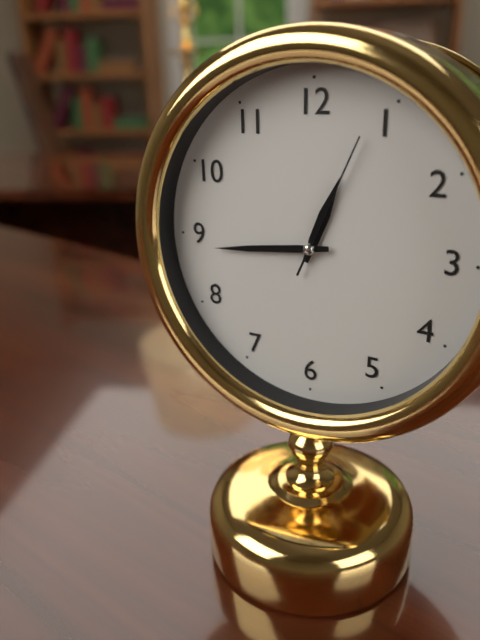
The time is 12 h 44 min 04 s
